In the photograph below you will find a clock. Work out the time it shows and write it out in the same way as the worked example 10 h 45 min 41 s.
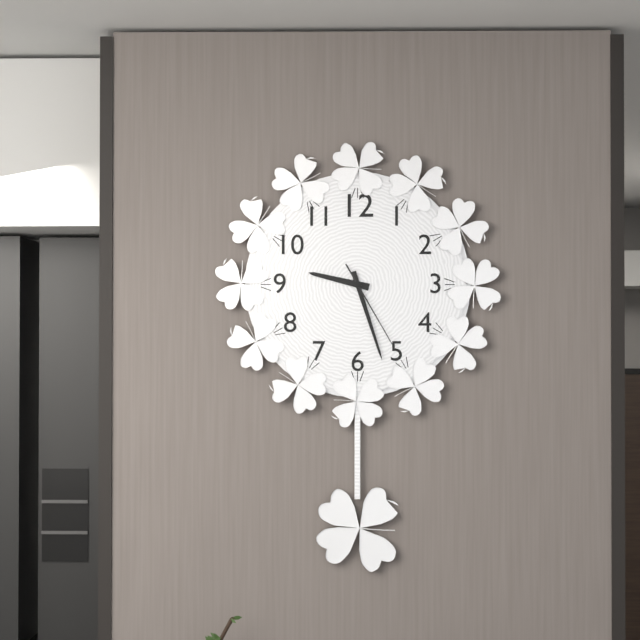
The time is 9 h 27 min 25 s
